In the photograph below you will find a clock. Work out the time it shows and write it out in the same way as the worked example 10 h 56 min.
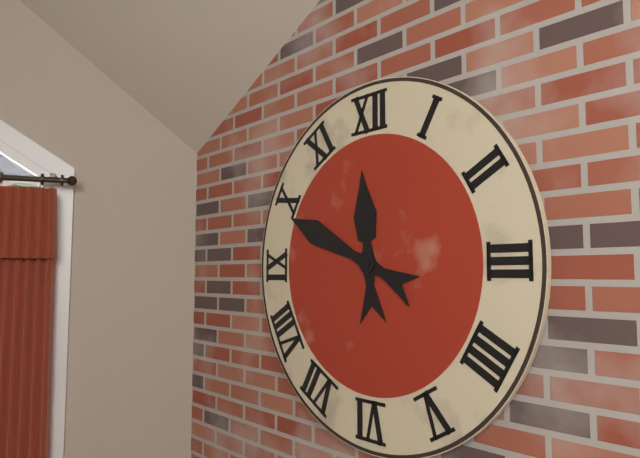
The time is 11 h 49 min
